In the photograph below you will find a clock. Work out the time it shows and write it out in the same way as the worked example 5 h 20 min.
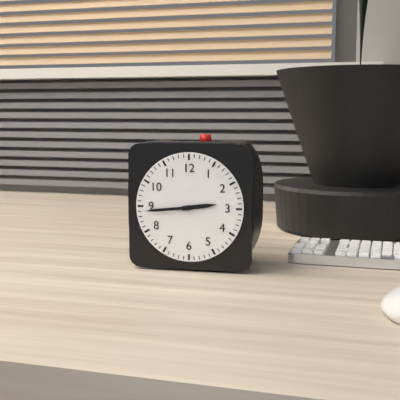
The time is 2 h 44 min
